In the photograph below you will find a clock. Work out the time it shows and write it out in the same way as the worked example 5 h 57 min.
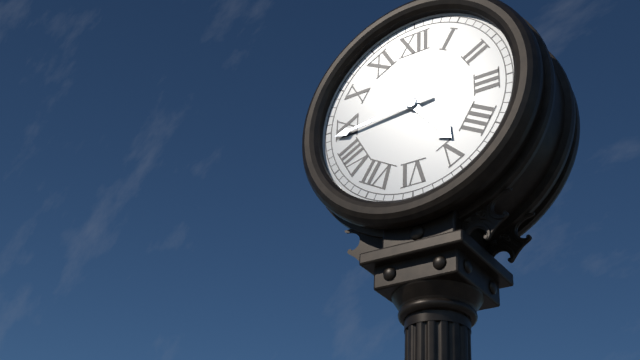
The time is 4 h 44 min
